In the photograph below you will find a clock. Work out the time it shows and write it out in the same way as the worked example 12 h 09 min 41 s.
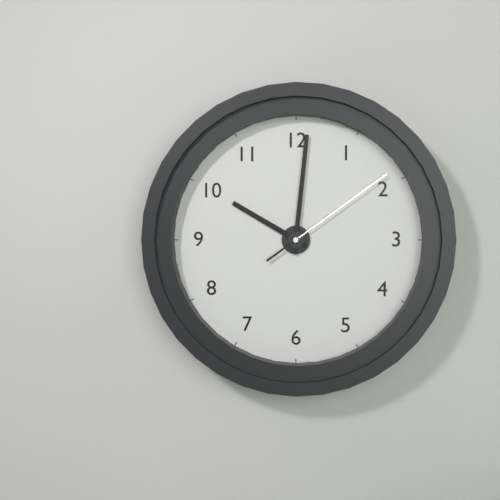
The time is 10 h 01 min 09 s
